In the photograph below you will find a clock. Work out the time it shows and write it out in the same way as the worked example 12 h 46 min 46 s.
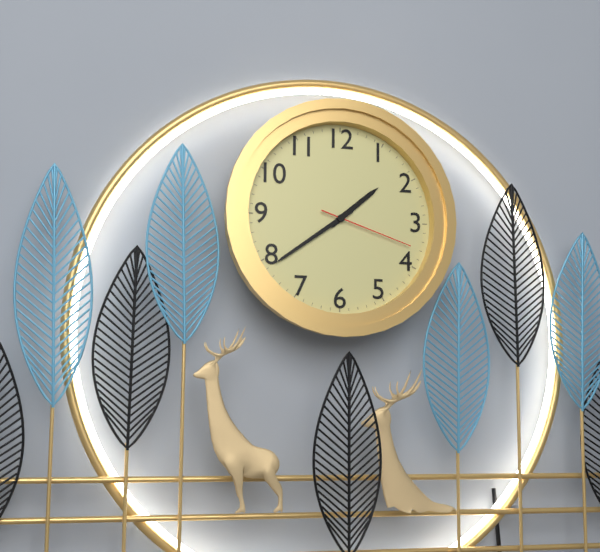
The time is 1 h 39 min 18 s
